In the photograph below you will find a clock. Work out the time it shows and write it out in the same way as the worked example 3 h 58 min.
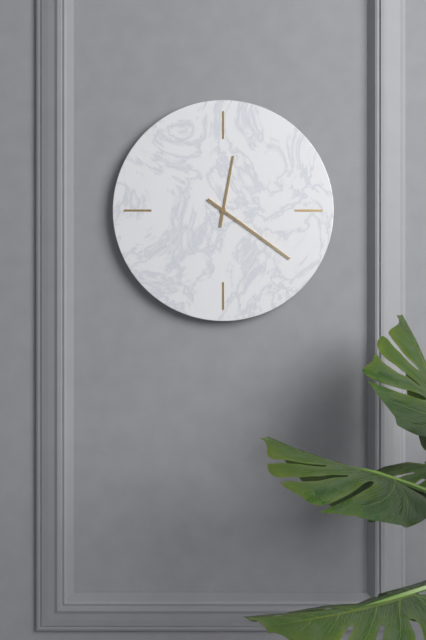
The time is 12 h 21 min
